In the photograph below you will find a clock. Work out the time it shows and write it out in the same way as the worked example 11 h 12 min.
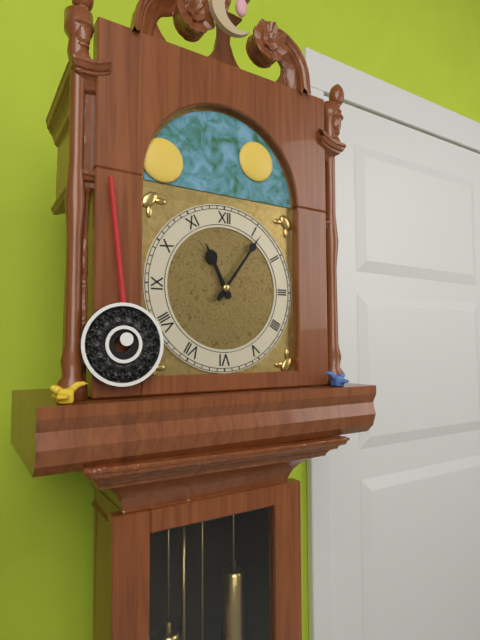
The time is 11 h 06 min
